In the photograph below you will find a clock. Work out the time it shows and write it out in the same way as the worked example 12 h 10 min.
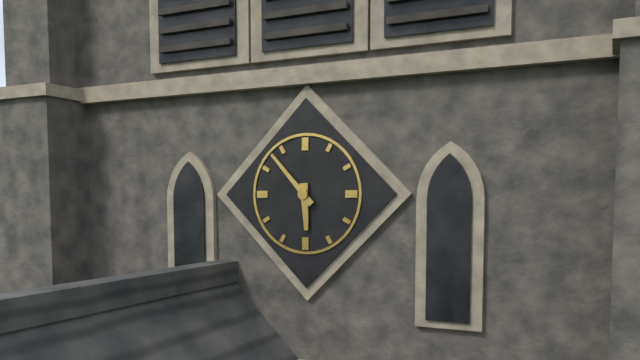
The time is 5 h 53 min
